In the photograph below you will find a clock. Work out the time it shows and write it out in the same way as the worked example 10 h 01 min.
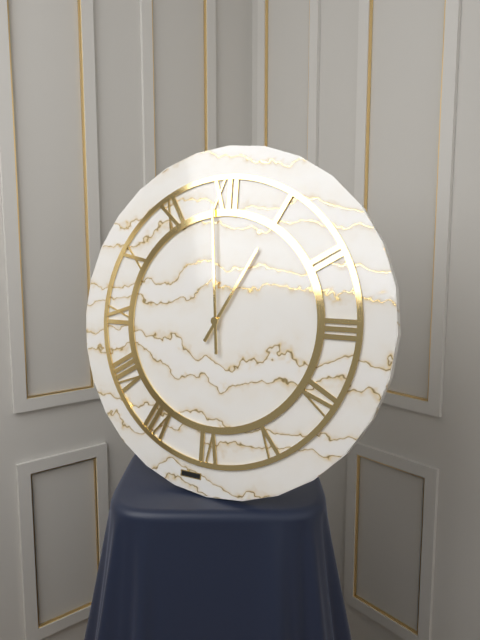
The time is 12 h 59 min
